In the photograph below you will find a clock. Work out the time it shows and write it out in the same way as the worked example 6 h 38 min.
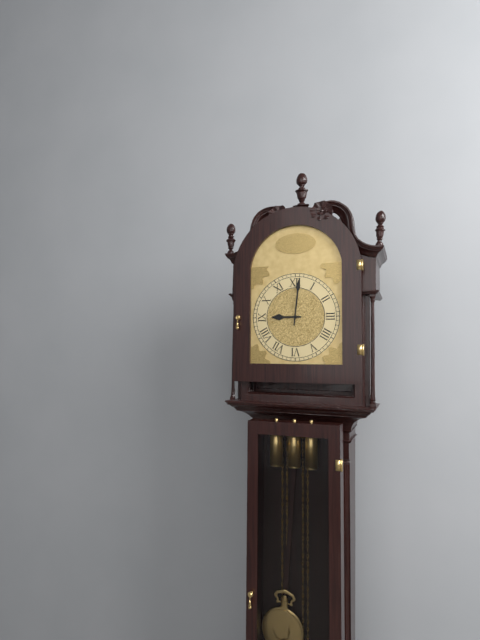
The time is 9 h 01 min
